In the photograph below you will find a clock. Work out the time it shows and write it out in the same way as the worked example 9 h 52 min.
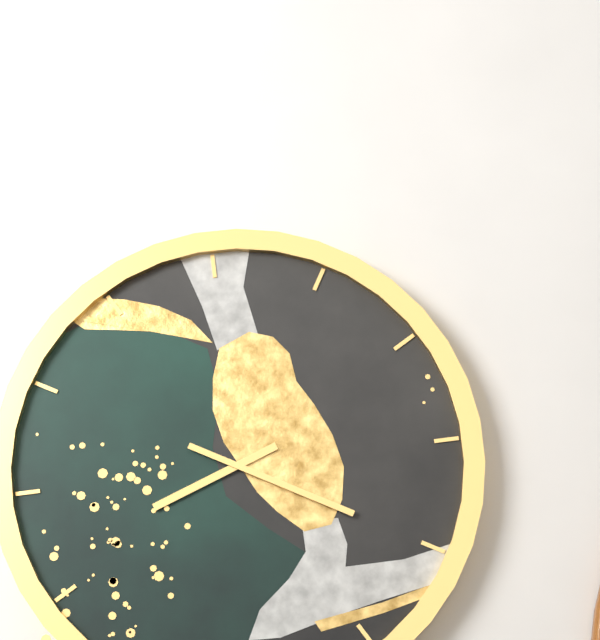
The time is 8 h 20 min
